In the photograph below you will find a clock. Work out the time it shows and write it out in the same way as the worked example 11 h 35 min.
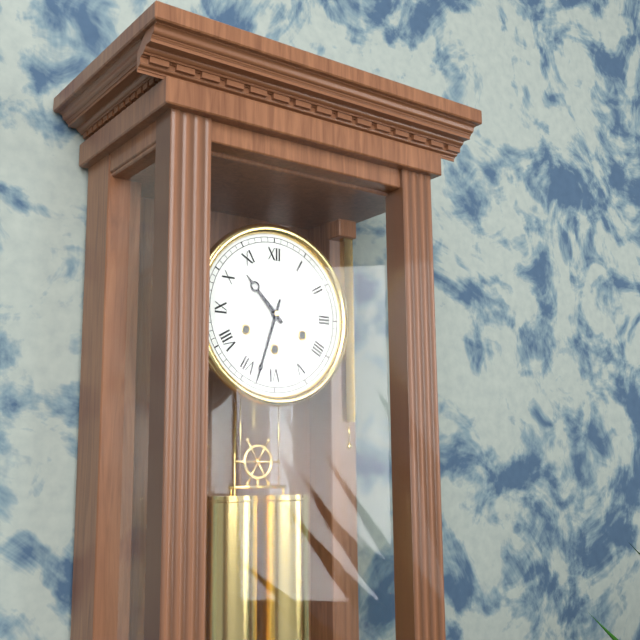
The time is 10 h 33 min
